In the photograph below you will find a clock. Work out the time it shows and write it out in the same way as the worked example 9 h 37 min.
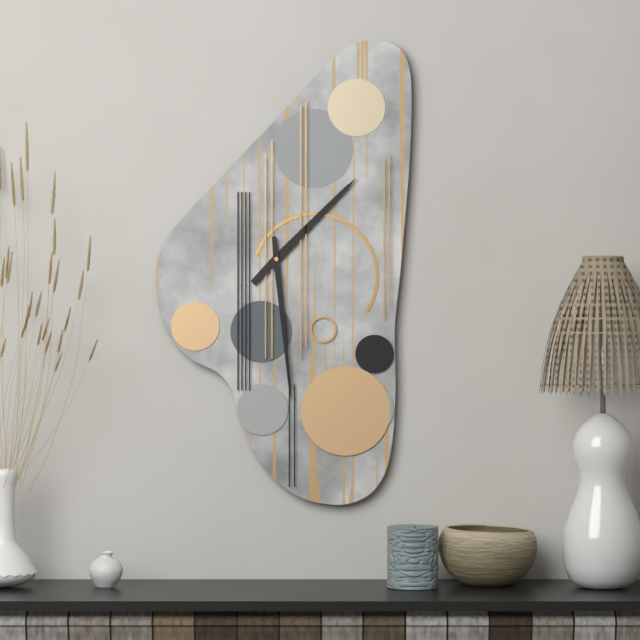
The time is 1 h 29 min
